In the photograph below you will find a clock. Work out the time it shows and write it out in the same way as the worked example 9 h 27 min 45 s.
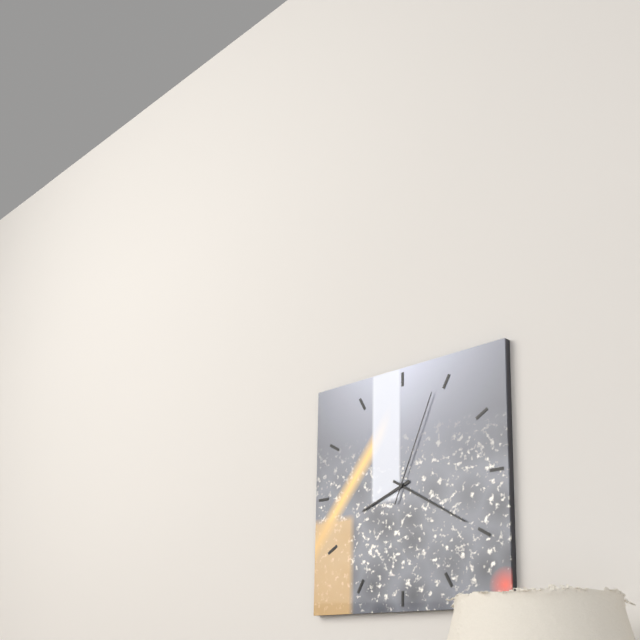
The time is 8 h 20 min 04 s
